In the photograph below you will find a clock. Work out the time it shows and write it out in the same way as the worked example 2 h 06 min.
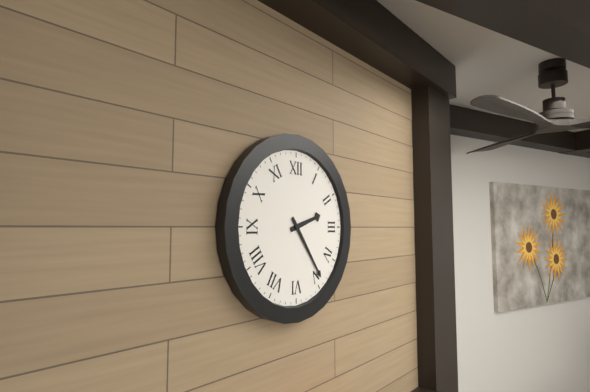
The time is 2 h 24 min
